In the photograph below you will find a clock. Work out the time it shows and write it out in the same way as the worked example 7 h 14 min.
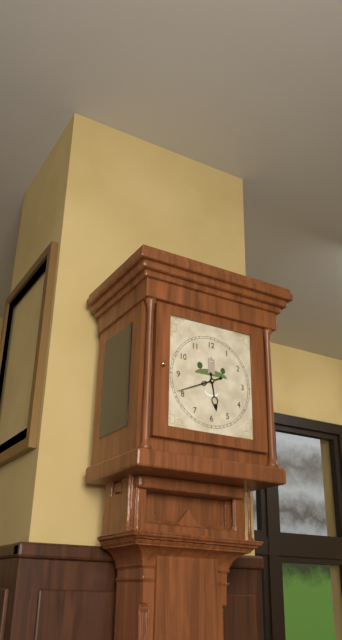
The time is 5 h 41 min
